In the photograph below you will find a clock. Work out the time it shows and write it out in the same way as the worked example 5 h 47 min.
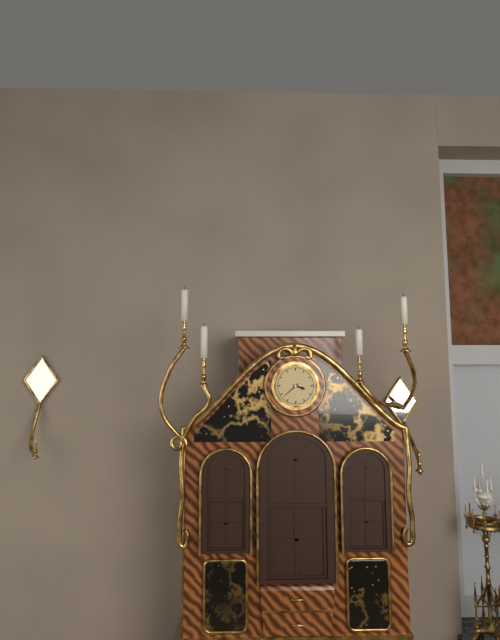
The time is 3 h 38 min
